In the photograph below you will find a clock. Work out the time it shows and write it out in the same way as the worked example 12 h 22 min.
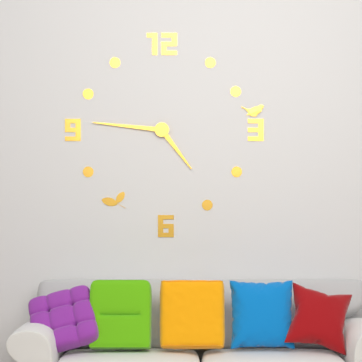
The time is 4 h 46 min
